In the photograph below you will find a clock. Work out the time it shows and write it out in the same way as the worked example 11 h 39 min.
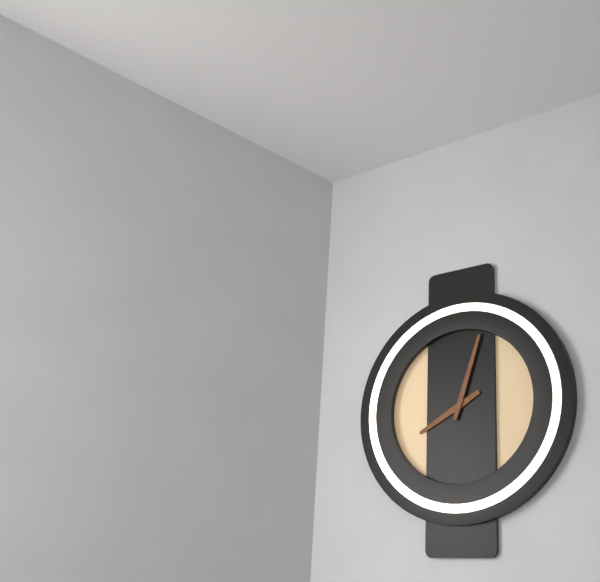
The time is 8 h 03 min
